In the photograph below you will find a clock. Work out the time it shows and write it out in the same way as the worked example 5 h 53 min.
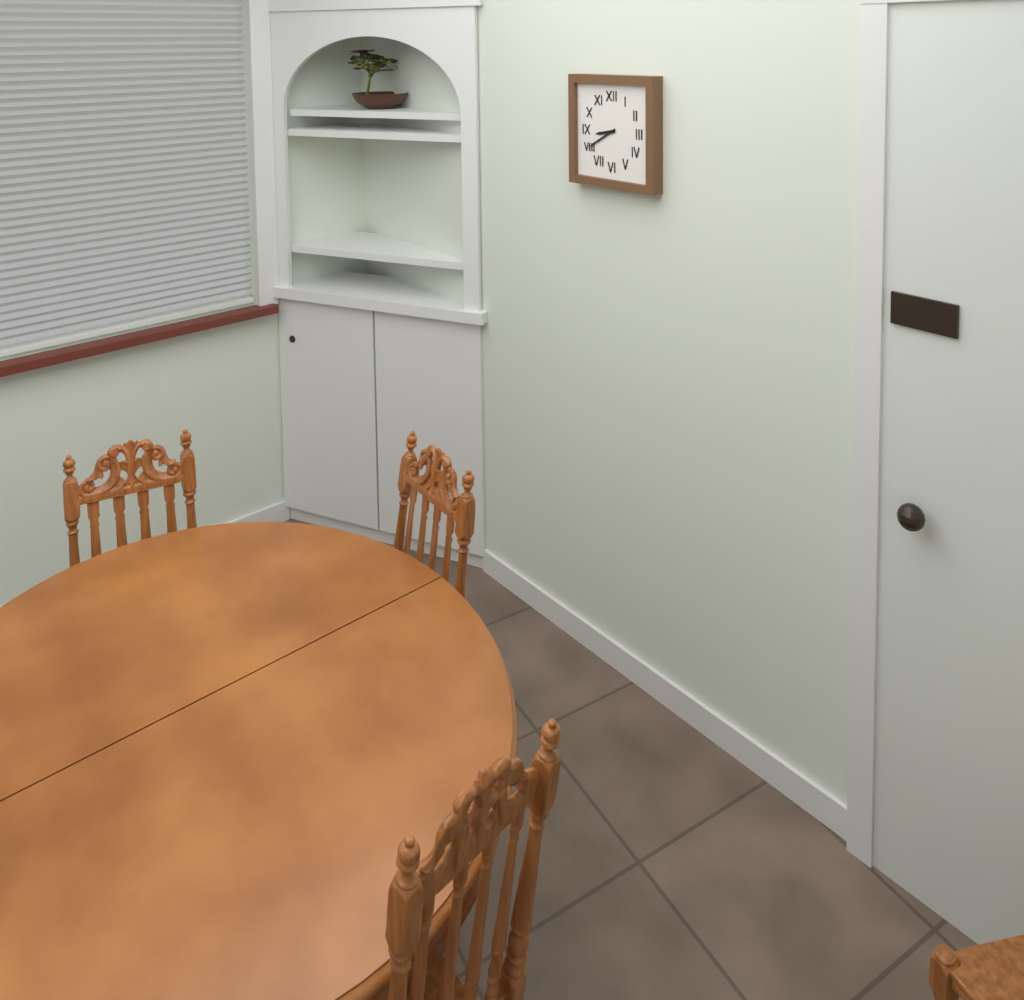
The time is 8 h 40 min
